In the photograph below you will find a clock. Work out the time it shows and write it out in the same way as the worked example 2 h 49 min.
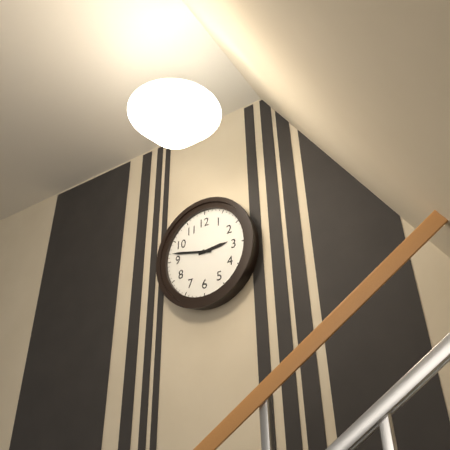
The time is 2 h 47 min
